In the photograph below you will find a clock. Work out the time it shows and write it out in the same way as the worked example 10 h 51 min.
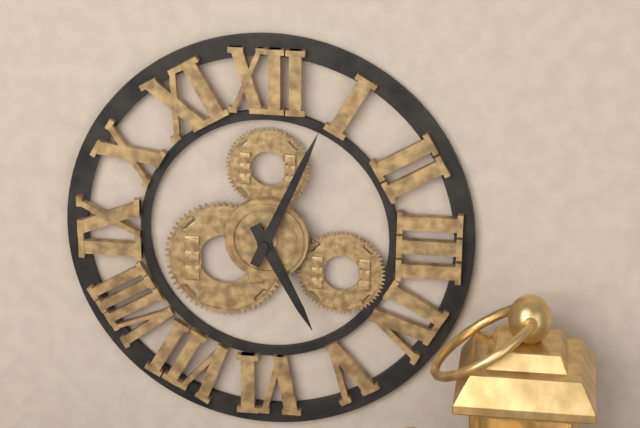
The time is 5 h 04 min
